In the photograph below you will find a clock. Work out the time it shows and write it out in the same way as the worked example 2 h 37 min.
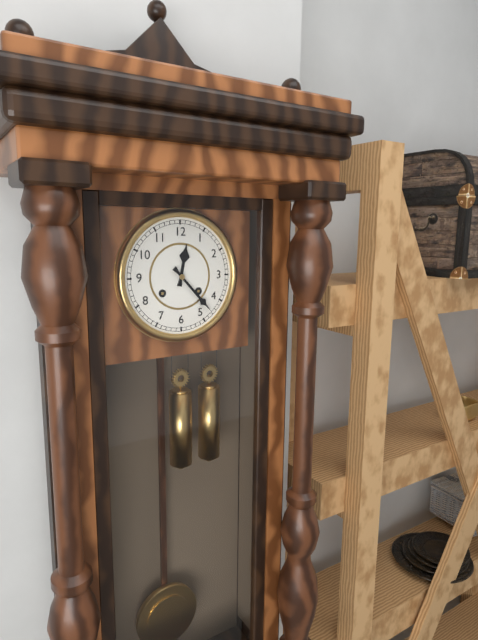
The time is 12 h 23 min
